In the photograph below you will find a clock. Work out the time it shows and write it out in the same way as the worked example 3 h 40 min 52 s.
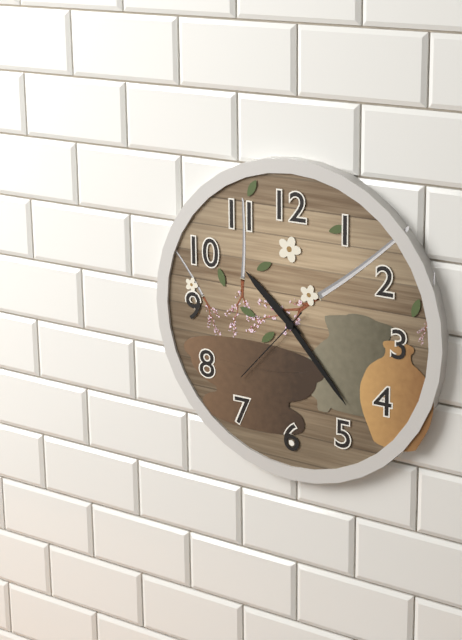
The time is 10 h 23 min 37 s
